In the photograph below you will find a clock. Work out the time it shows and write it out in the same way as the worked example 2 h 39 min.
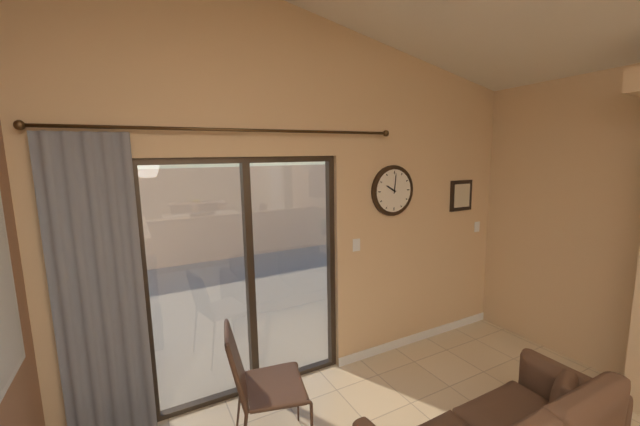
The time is 10 h 01 min
